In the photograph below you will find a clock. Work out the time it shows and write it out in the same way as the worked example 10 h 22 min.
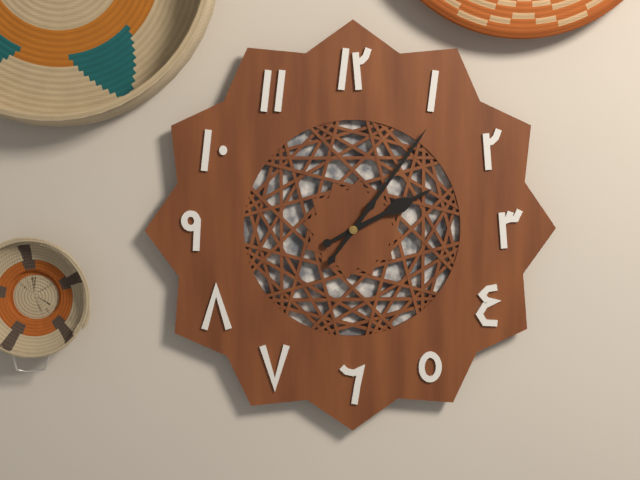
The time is 2 h 06 min
